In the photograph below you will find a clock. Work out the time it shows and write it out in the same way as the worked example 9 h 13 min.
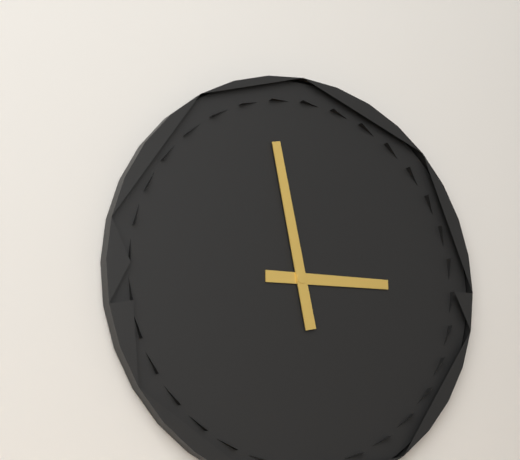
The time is 2 h 58 min
